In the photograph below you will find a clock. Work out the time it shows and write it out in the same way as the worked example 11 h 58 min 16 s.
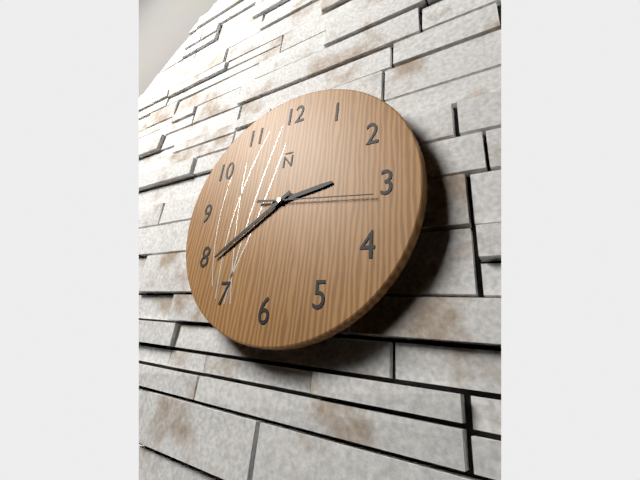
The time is 2 h 39 min 16 s
